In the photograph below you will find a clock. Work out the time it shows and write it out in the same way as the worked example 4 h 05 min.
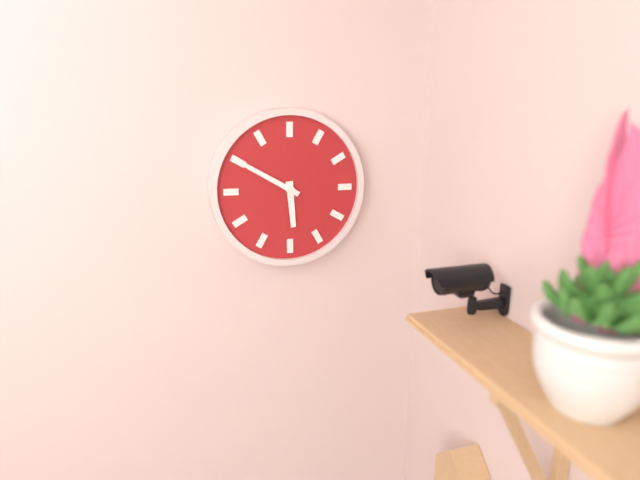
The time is 5 h 50 min
